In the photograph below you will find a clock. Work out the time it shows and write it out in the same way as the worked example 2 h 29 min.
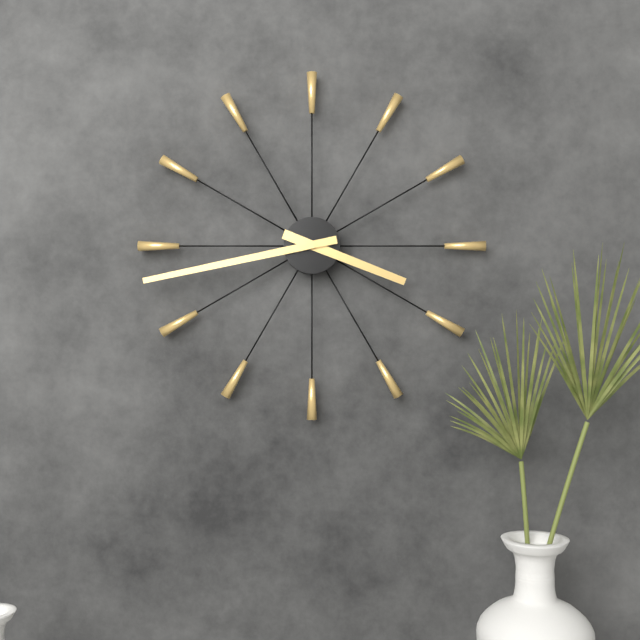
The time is 3 h 43 min
